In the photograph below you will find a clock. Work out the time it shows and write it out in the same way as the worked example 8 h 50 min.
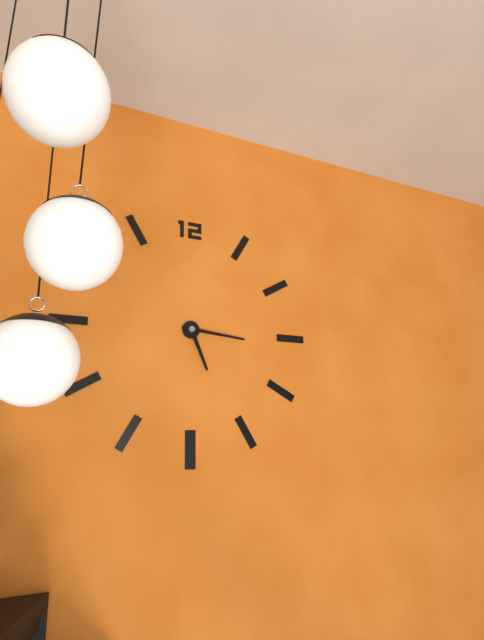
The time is 5 h 16 min
